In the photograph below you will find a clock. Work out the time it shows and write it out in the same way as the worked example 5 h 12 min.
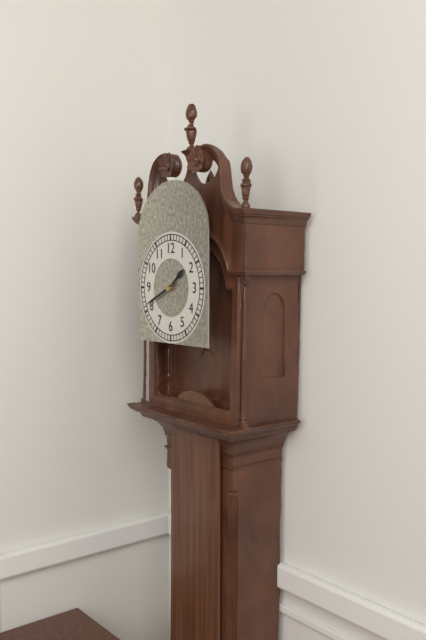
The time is 1 h 41 min
